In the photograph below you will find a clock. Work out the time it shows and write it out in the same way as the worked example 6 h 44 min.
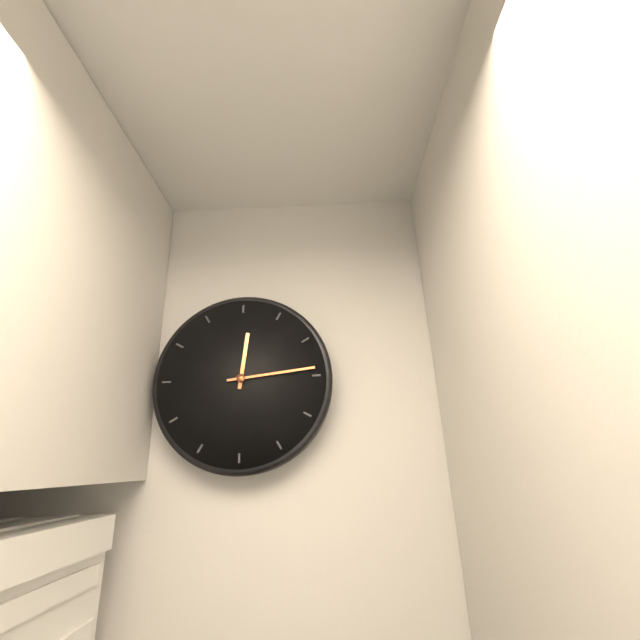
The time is 12 h 14 min
